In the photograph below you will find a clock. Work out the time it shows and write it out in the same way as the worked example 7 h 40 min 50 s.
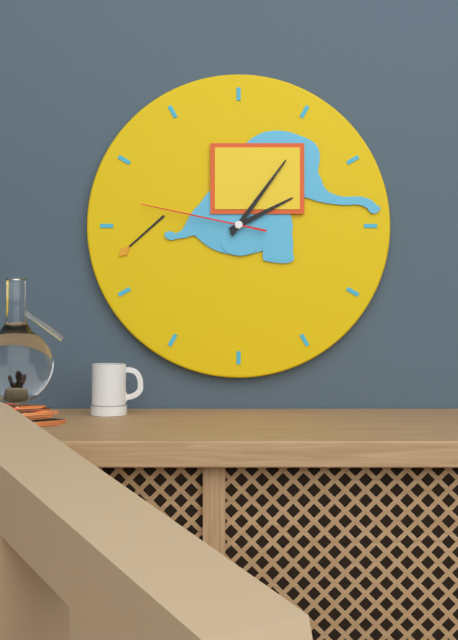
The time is 2 h 06 min 47 s
